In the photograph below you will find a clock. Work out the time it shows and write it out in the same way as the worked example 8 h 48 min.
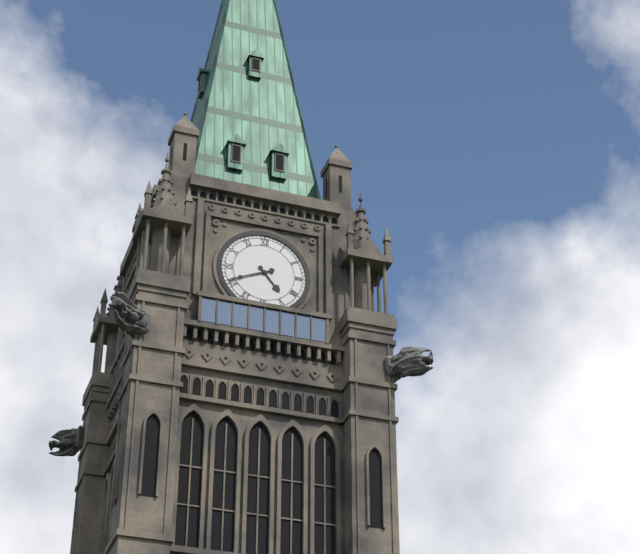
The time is 4 h 41 min
